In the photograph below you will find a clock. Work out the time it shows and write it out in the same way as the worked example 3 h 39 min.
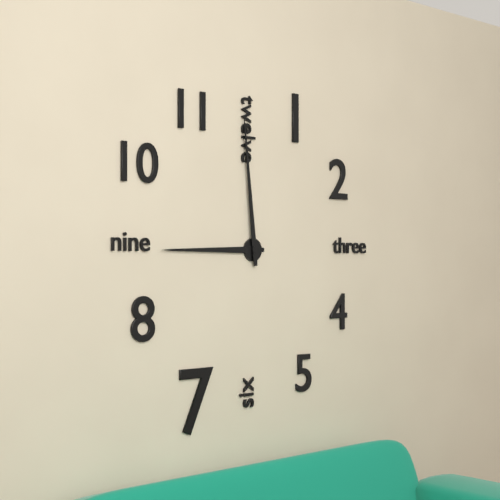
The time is 8 h 59 min
